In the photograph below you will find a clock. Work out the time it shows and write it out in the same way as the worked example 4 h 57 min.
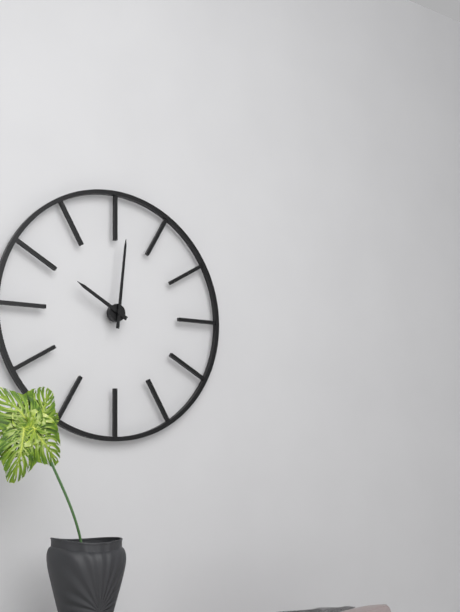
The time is 10 h 01 min
